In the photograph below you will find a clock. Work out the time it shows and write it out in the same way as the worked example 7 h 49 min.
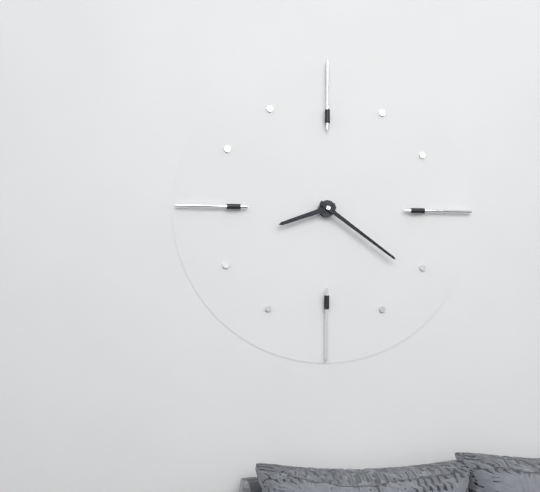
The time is 8 h 21 min
